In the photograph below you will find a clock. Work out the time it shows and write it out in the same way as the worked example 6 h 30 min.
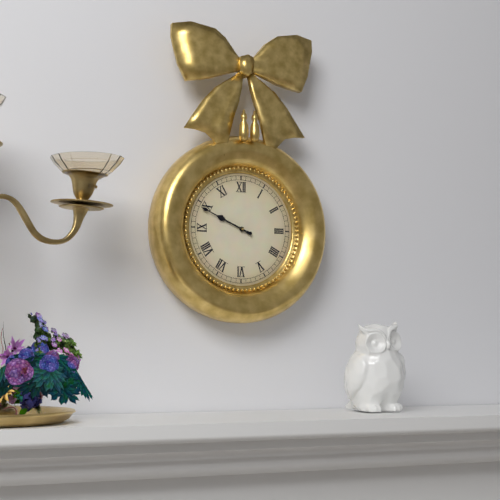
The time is 9 h 49 min
